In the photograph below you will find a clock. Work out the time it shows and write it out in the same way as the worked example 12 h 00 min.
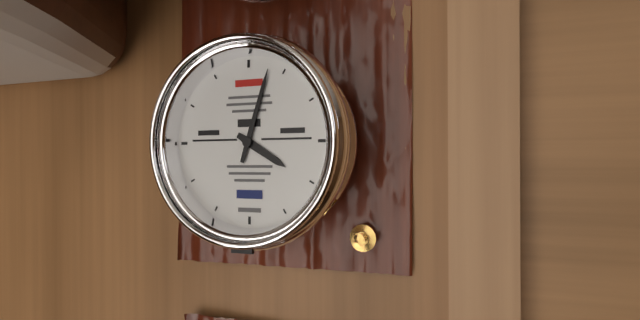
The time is 4 h 03 min
